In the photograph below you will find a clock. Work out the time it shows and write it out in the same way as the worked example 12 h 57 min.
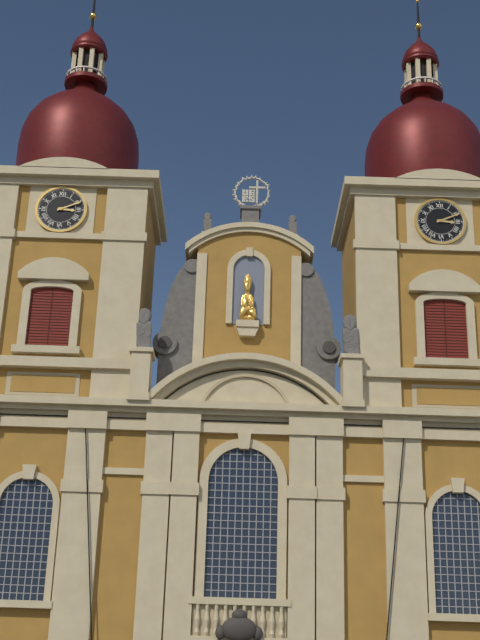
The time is 3 h 11 min
